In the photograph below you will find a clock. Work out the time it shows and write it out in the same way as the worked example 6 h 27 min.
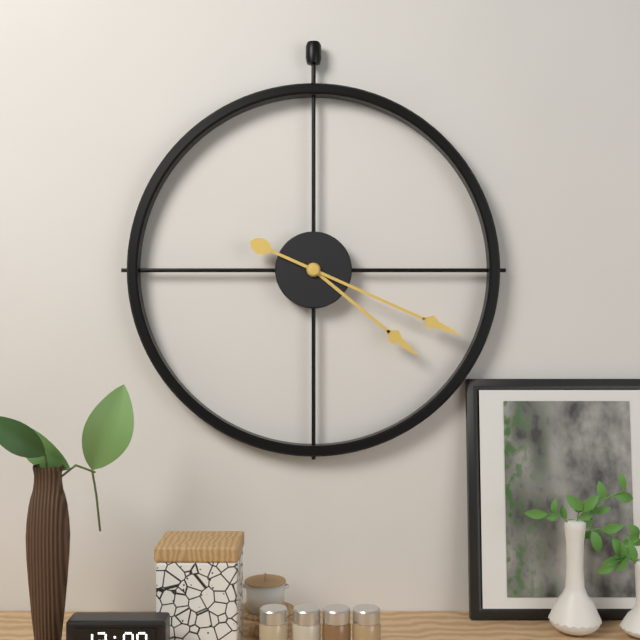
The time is 4 h 19 min
